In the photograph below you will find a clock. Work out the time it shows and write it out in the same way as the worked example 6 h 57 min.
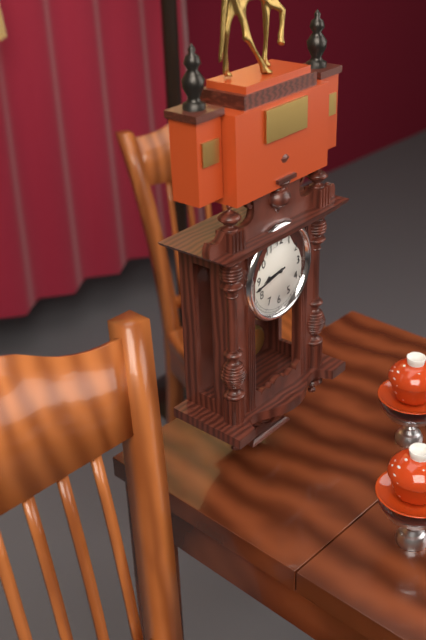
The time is 8 h 43 min
